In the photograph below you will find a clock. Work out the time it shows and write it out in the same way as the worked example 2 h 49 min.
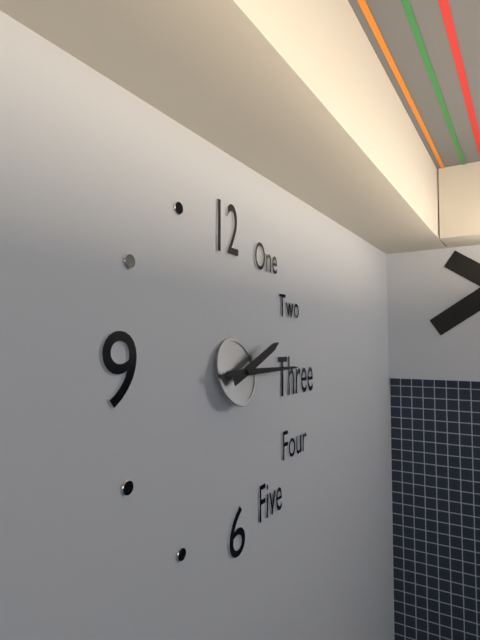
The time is 2 h 15 min
